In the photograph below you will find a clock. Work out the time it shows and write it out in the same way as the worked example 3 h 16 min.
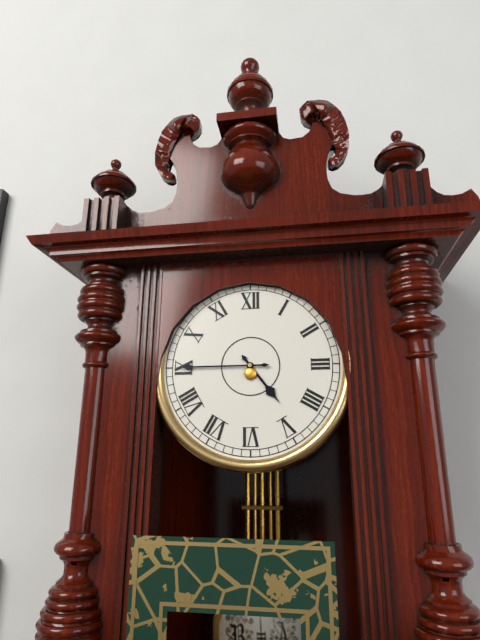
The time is 4 h 45 min
